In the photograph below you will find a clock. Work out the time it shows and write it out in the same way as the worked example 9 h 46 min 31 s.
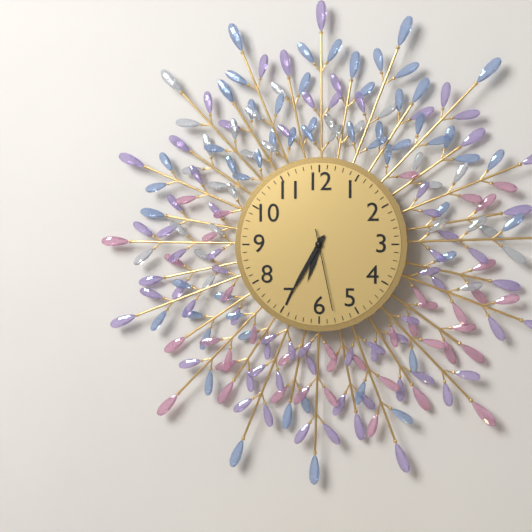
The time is 6 h 35 min 28 s
